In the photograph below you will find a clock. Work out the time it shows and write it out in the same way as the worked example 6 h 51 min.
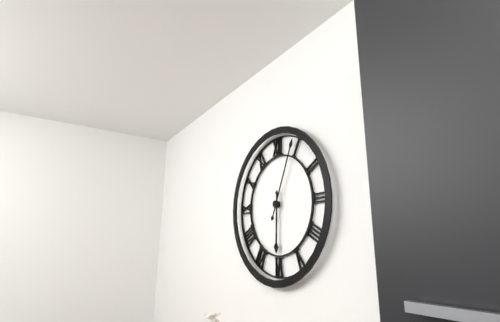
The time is 6 h 04 min
